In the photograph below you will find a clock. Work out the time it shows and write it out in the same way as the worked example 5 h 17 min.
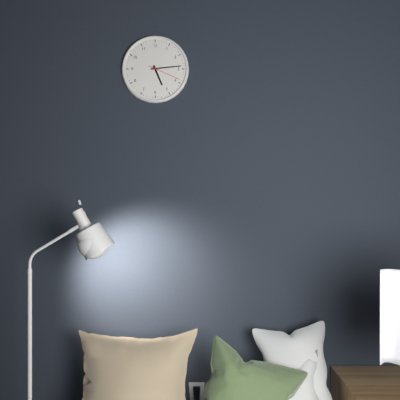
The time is 5 h 14 min
